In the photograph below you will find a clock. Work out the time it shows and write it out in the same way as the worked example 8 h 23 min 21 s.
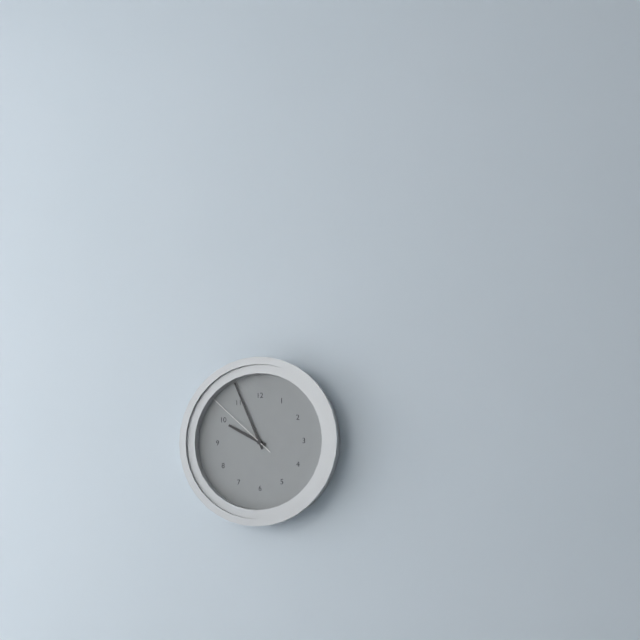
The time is 9 h 56 min 52 s
